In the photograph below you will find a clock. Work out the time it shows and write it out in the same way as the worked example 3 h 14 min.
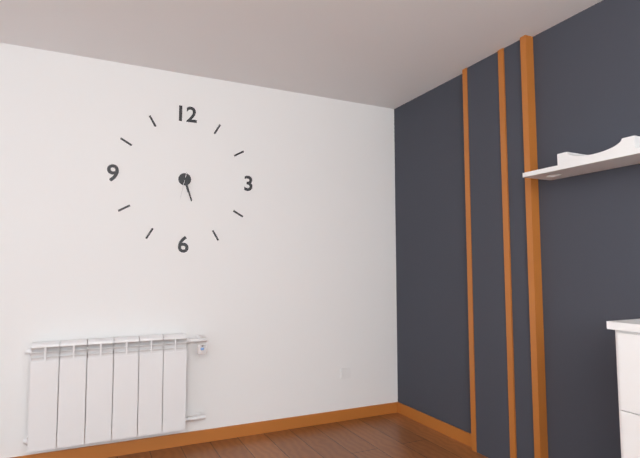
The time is 5 h 27 min
